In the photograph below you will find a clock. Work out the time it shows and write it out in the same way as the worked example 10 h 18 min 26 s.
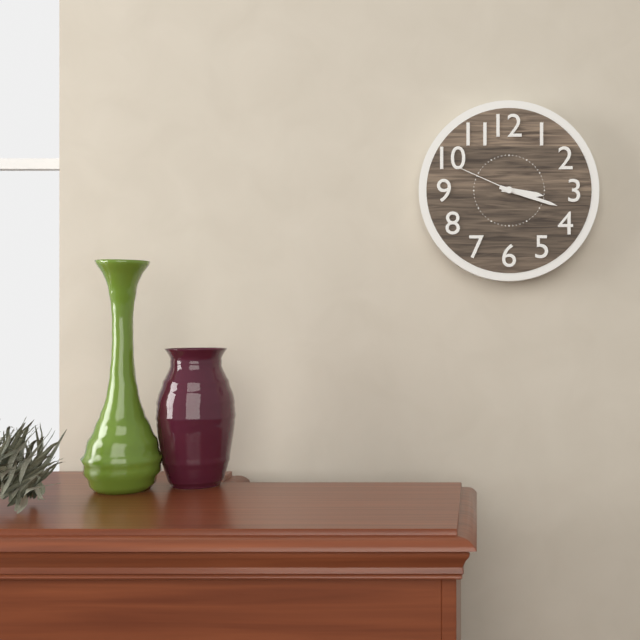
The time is 3 h 18 min 49 s
